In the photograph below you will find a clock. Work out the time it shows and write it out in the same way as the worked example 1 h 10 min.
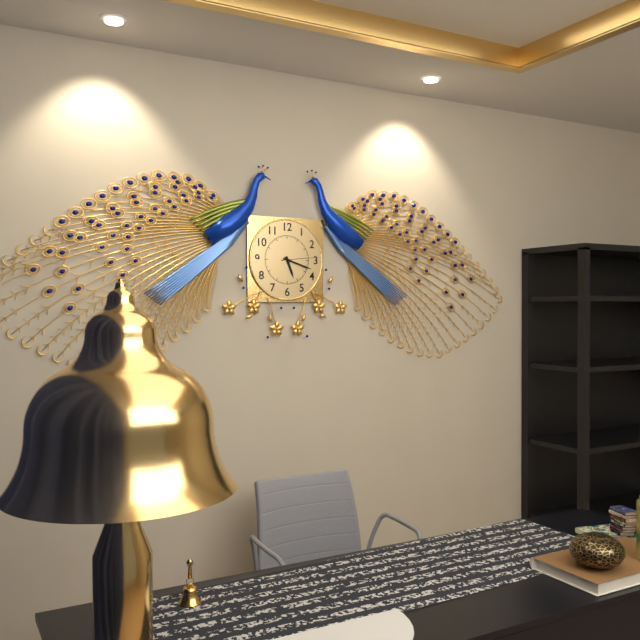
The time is 5 h 18 min
